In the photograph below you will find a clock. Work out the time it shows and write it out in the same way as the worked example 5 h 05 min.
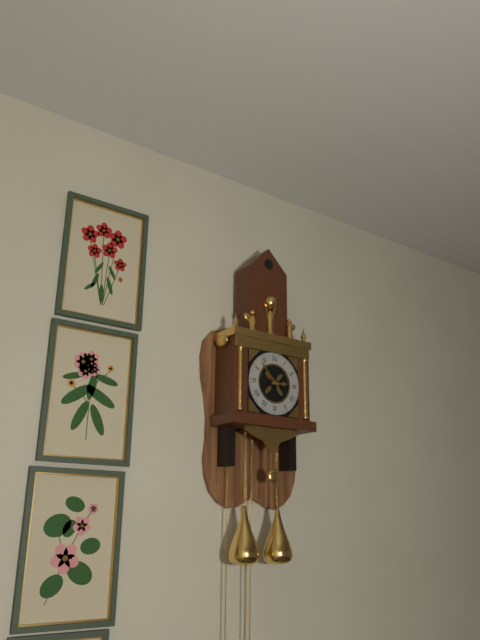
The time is 2 h 53 min
